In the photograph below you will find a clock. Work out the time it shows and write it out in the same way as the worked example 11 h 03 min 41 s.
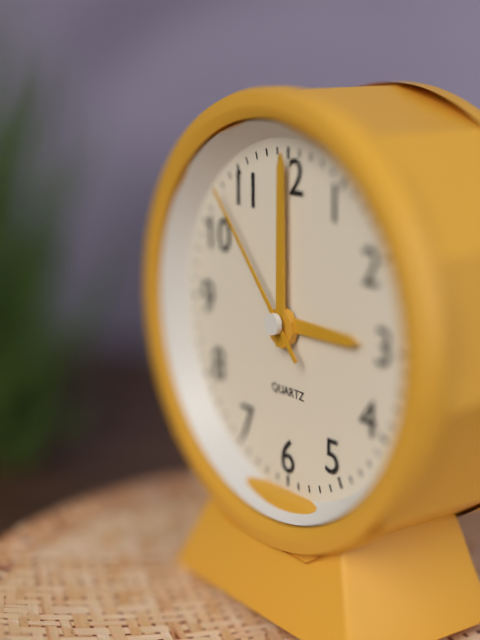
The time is 3 h 00 min 53 s
